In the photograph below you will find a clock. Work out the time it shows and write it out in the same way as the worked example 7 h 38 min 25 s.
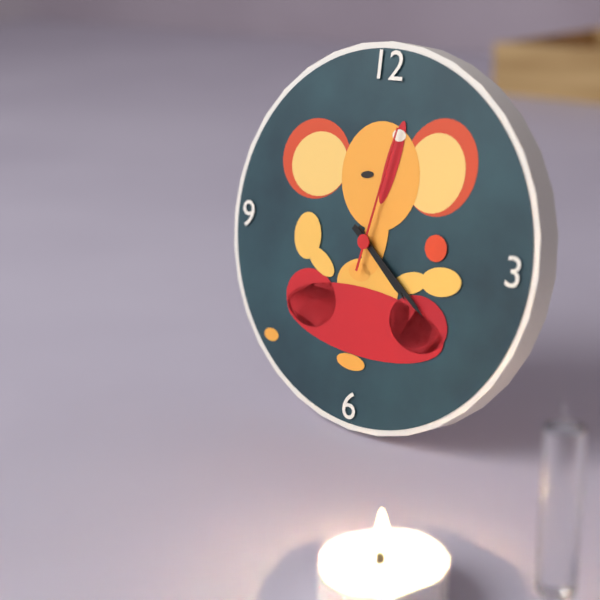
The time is 4 h 21 min 02 s
